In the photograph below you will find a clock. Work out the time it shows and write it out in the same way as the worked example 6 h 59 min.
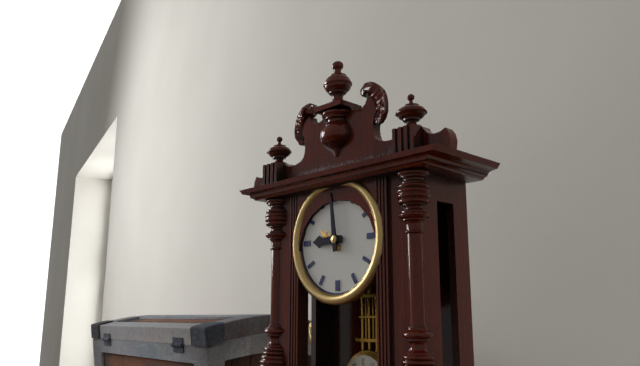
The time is 8 h 59 min
